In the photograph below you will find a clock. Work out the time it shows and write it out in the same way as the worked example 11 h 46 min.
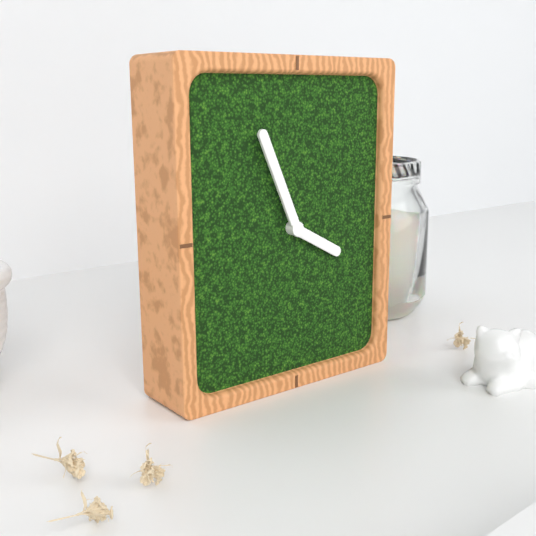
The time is 3 h 56 min
